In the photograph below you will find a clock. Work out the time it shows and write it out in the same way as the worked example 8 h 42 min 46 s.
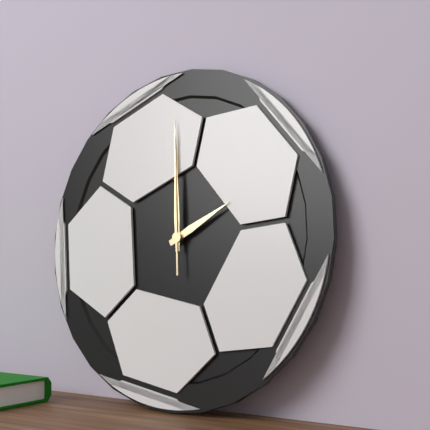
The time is 1 h 59 min 59 s
